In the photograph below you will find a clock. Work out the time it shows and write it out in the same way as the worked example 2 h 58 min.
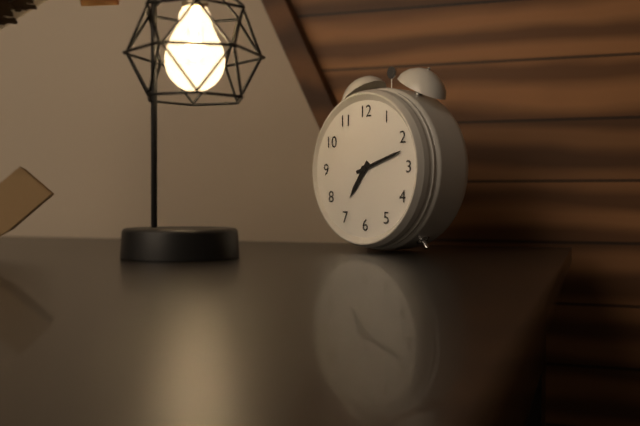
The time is 7 h 12 min
